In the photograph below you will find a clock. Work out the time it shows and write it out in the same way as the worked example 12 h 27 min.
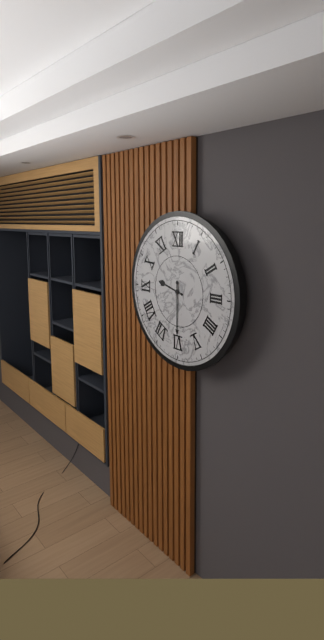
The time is 9 h 30 min
